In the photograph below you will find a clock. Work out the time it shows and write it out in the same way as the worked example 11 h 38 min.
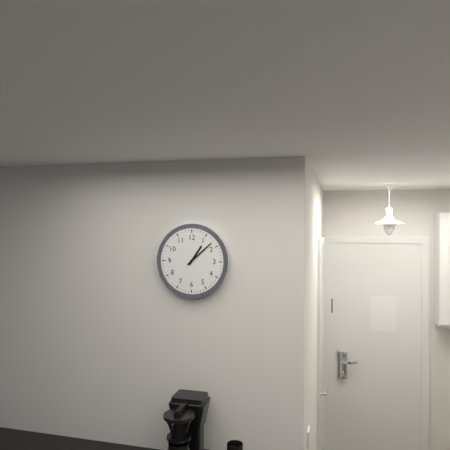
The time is 1 h 08 min
